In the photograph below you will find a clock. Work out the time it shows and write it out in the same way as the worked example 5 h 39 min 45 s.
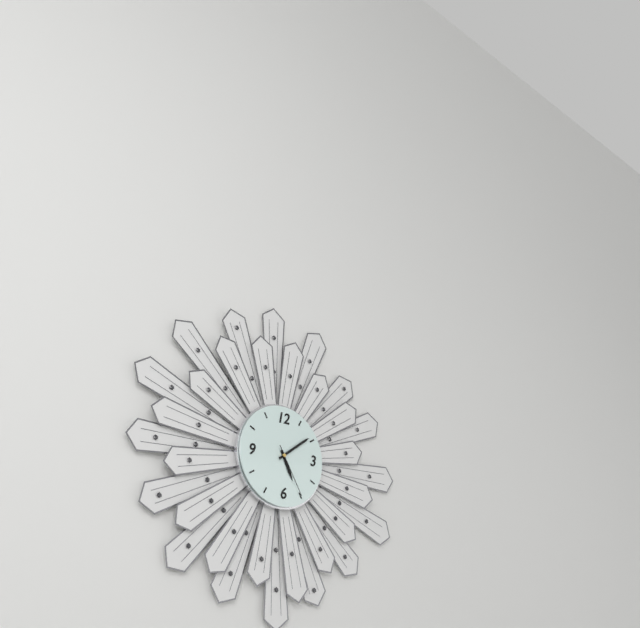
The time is 5 h 09 min 25 s
